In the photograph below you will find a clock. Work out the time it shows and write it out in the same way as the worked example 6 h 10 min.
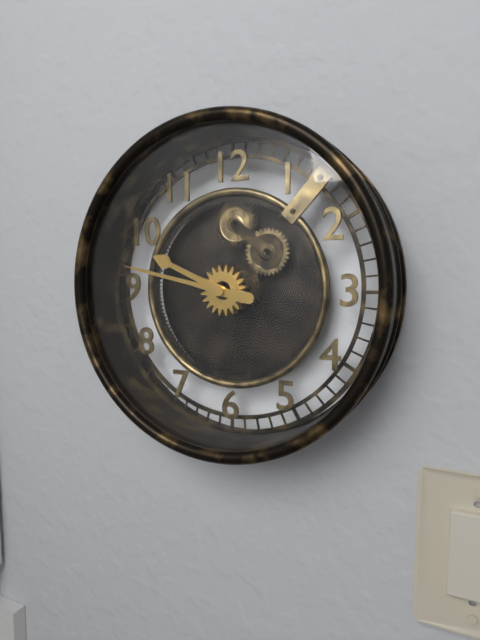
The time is 9 h 47 min
